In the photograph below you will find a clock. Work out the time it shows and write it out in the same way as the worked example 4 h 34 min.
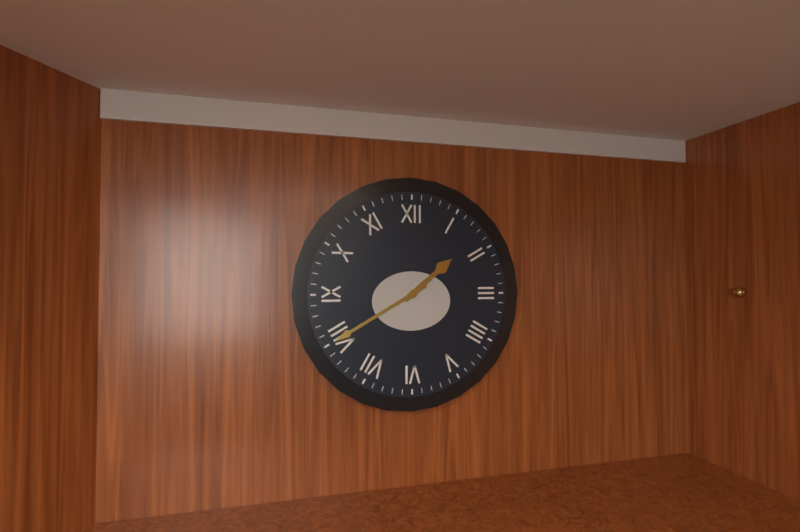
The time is 1 h 40 min
